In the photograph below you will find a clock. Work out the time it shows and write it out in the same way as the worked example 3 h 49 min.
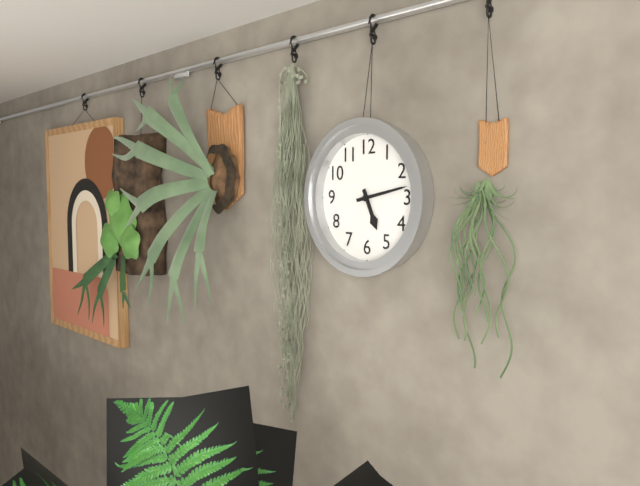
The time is 5 h 13 min
